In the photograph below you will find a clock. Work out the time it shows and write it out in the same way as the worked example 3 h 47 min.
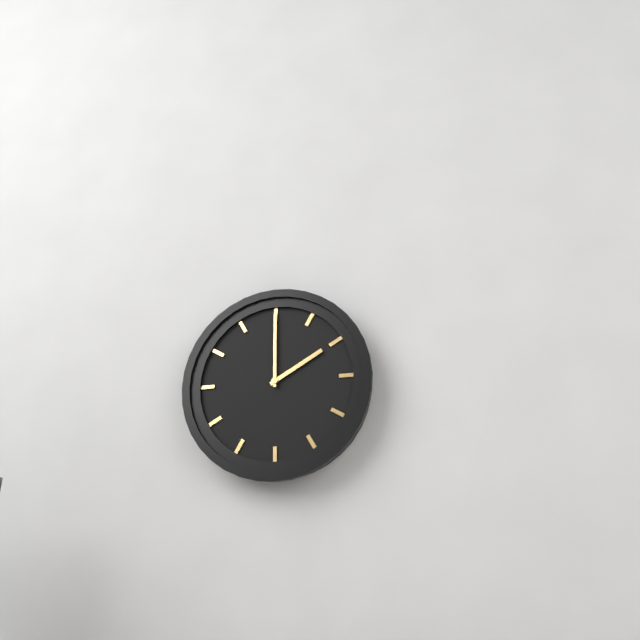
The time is 2 h 00 min
